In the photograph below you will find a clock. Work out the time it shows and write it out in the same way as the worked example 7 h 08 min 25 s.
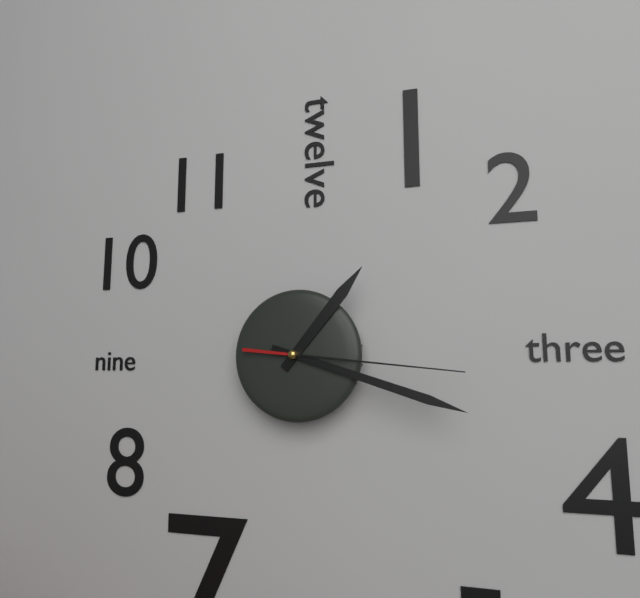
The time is 1 h 18 min 16 s
